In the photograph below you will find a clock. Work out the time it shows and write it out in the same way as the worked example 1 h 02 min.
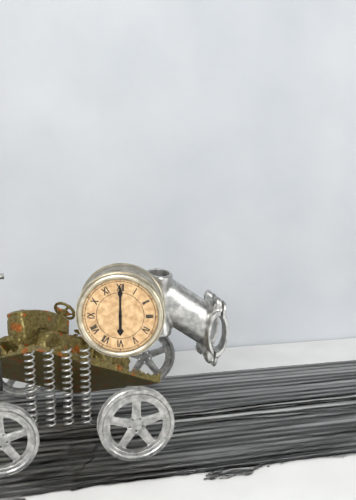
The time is 6 h 00 min
